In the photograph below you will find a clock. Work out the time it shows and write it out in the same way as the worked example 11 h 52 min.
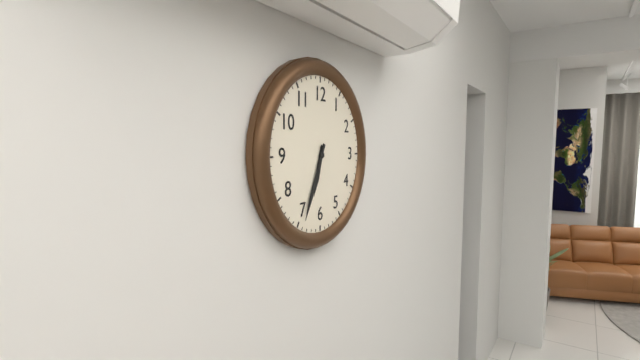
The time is 6 h 34 min
